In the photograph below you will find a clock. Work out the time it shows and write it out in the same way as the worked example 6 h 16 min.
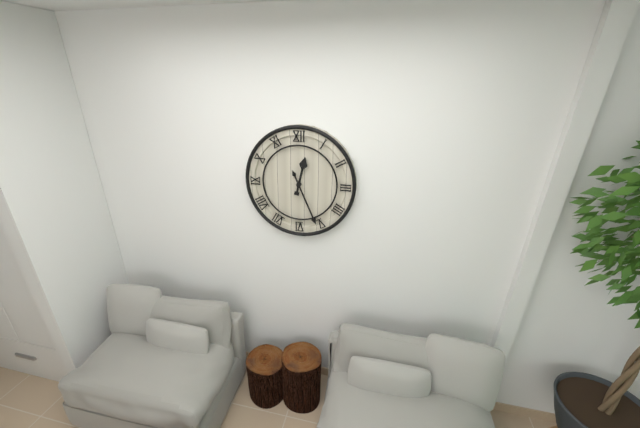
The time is 12 h 26 min
